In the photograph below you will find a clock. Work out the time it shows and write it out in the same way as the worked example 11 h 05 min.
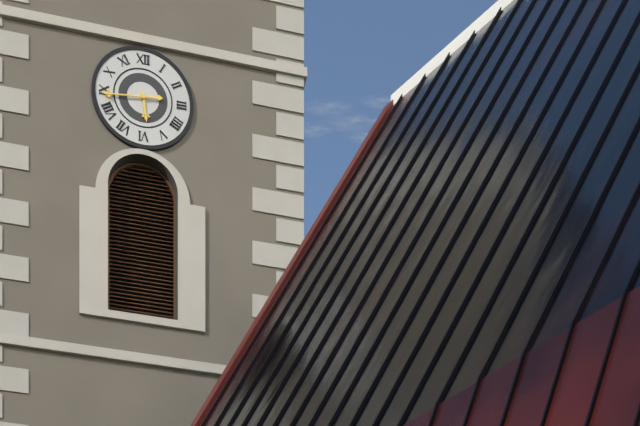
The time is 5 h 44 min
